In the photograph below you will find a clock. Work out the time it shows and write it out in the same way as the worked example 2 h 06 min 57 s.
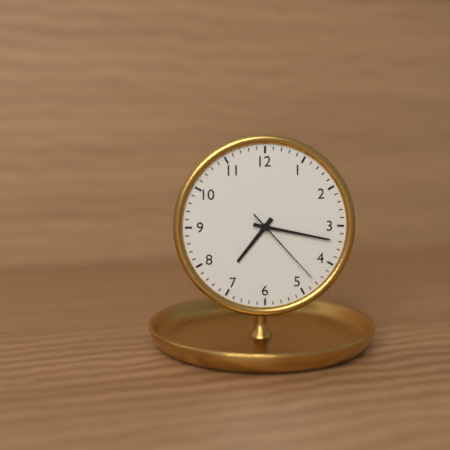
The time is 7 h 17 min 23 s
